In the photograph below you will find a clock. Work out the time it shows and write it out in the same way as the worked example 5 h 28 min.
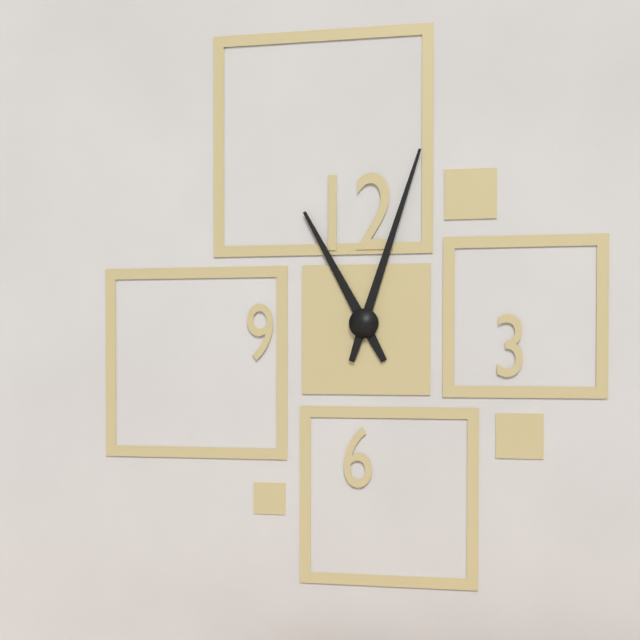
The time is 11 h 03 min
